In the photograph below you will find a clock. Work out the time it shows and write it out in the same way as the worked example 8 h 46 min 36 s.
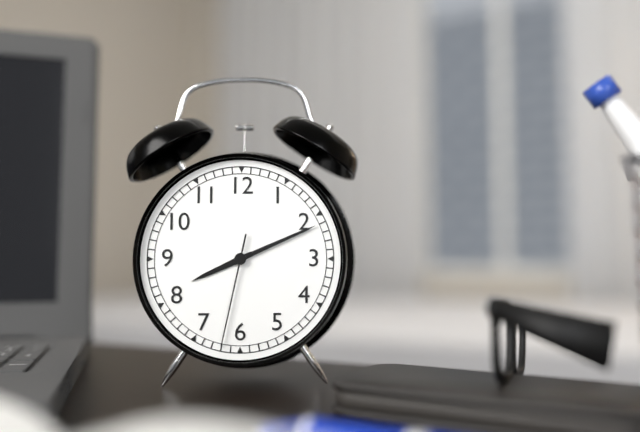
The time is 8 h 11 min 32 s
